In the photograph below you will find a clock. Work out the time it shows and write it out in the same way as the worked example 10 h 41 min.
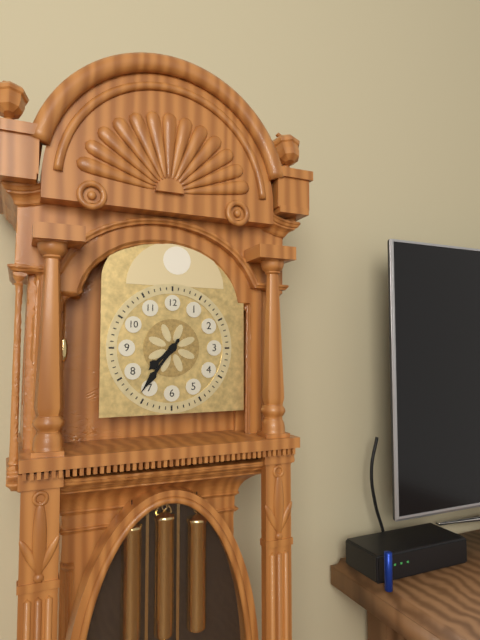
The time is 7 h 36 min
